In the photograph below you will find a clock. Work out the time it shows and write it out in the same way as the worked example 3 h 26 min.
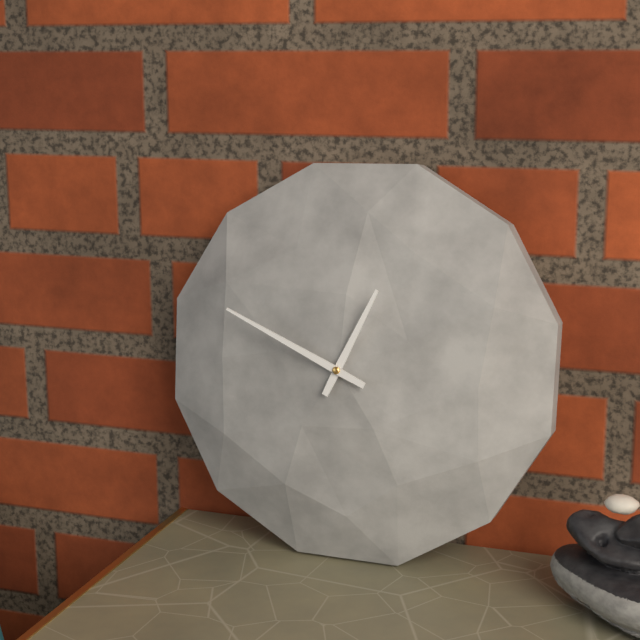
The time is 12 h 49 min
